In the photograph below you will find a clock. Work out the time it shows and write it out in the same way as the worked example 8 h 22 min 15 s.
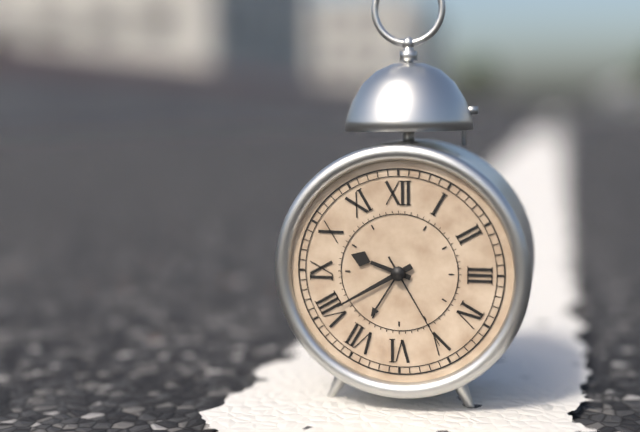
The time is 9 h 40 min 25 s
